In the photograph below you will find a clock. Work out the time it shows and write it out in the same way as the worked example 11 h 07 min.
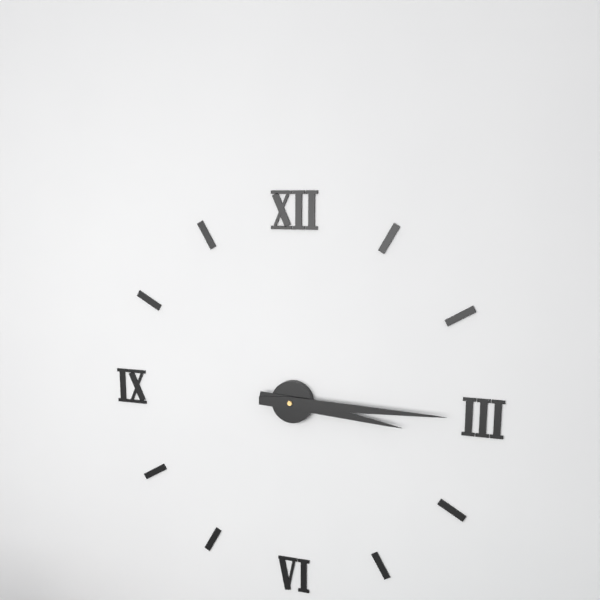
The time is 3 h 15 min
